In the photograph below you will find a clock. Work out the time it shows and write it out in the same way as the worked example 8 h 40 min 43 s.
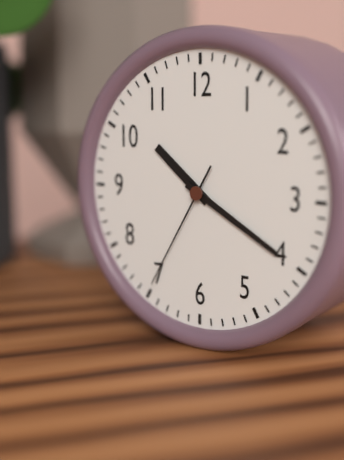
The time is 10 h 20 min 35 s
